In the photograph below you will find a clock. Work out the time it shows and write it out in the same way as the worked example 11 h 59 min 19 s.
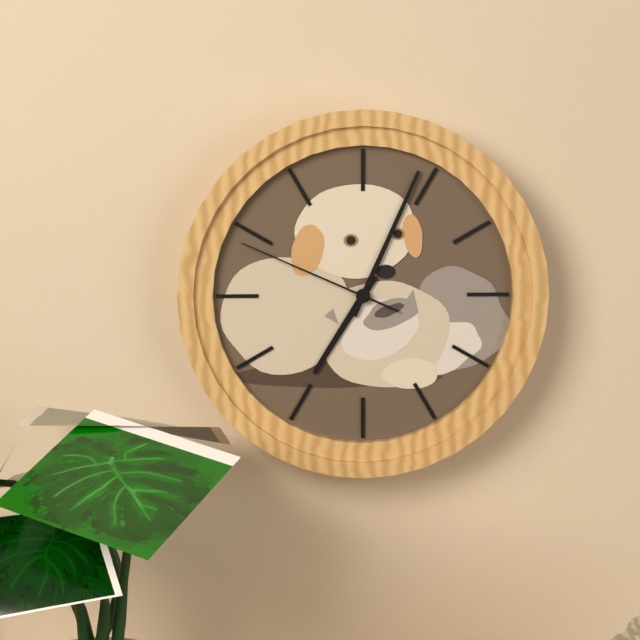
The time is 7 h 04 min 49 s
